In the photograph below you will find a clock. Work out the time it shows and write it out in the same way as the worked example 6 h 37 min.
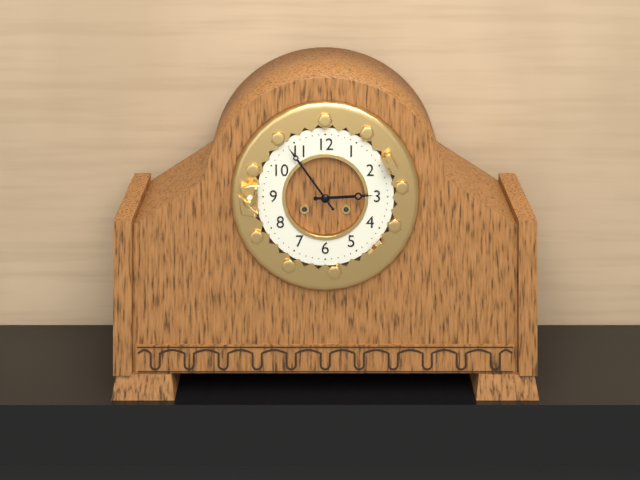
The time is 2 h 54 min
